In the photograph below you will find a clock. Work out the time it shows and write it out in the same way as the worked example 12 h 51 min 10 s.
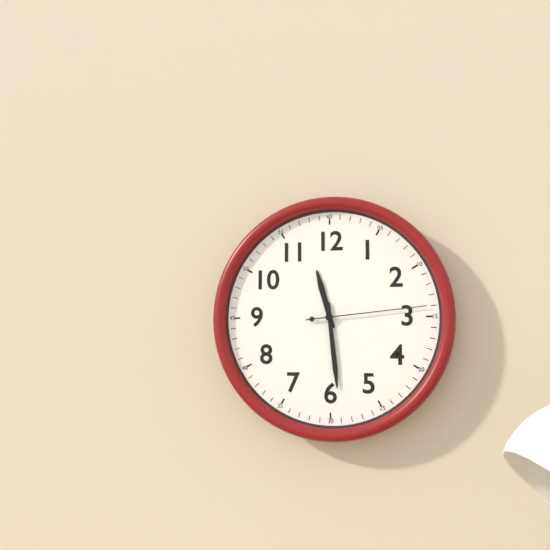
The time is 11 h 29 min 14 s
